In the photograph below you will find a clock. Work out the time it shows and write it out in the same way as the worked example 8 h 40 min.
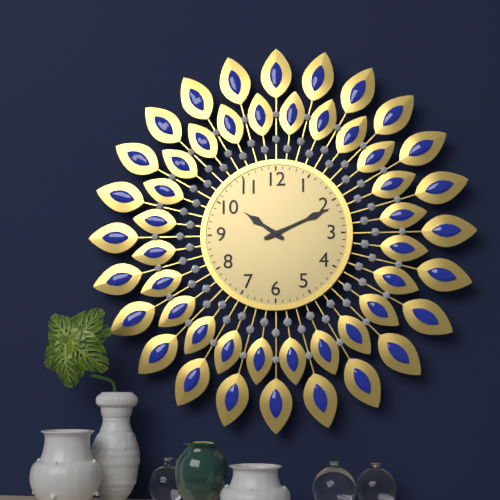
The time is 10 h 11 min
